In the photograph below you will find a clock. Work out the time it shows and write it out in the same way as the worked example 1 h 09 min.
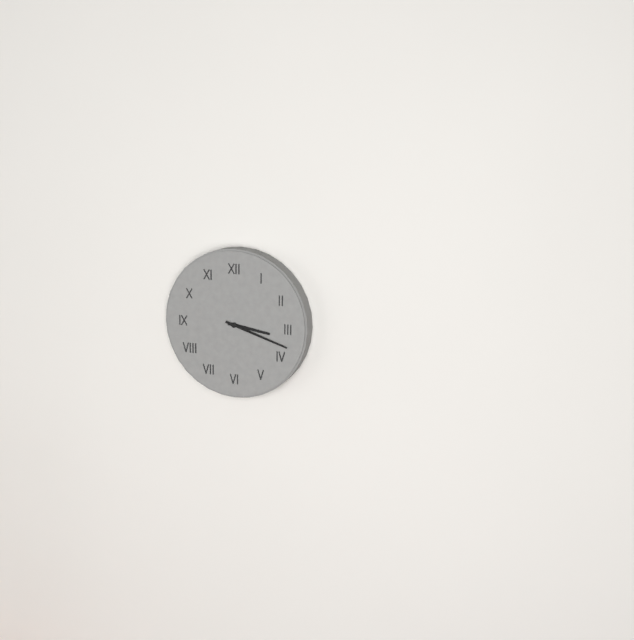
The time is 3 h 18 min
